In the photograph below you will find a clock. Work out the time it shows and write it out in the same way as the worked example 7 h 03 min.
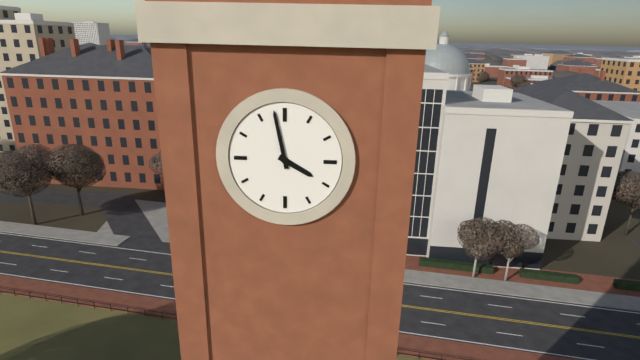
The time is 3 h 58 min
